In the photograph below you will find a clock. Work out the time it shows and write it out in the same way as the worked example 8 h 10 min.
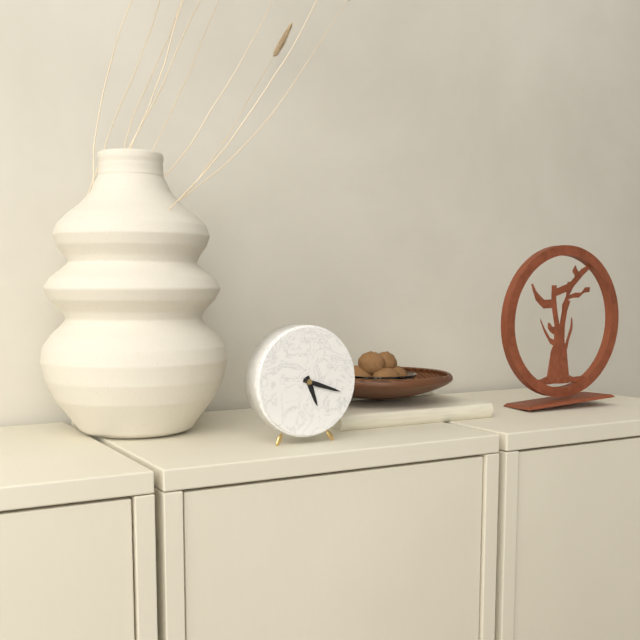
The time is 5 h 18 min
